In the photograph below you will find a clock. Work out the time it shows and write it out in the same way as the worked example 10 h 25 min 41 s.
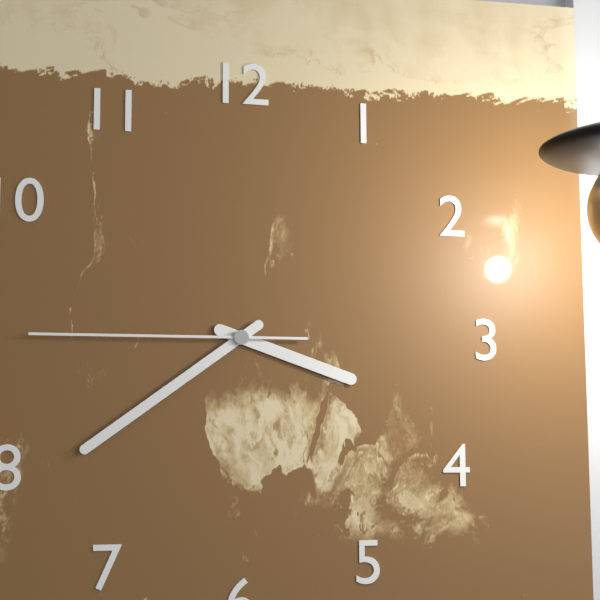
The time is 3 h 39 min 45 s
